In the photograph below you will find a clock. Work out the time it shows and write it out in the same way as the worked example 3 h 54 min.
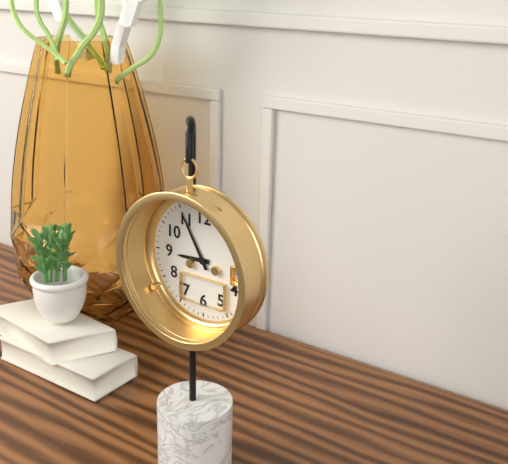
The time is 8 h 55 min
